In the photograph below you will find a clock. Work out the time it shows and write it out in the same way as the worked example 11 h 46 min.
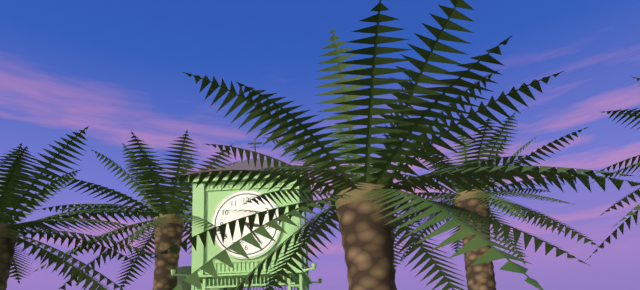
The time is 3 h 24 min
